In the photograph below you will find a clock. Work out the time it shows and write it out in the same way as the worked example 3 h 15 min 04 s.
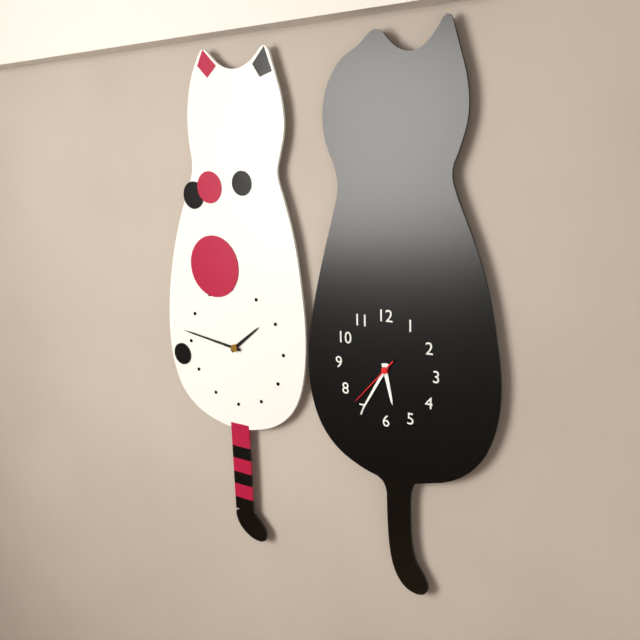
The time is 5 h 35 min 37 s
